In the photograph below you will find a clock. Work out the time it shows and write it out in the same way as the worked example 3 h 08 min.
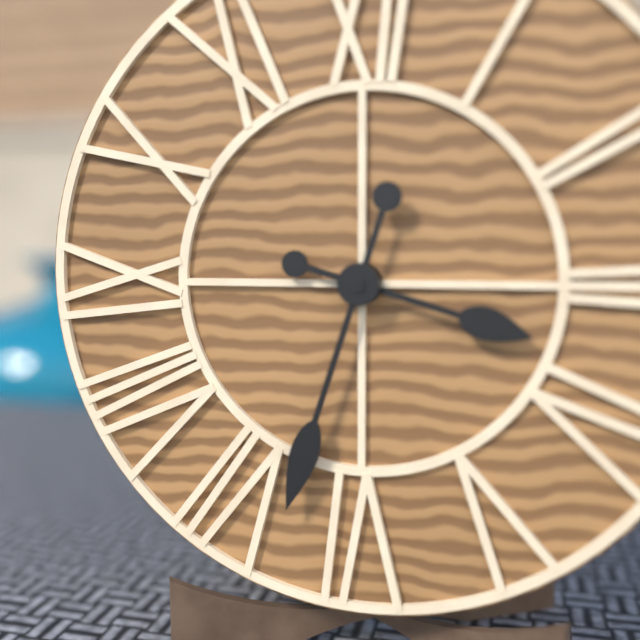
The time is 3 h 33 min
